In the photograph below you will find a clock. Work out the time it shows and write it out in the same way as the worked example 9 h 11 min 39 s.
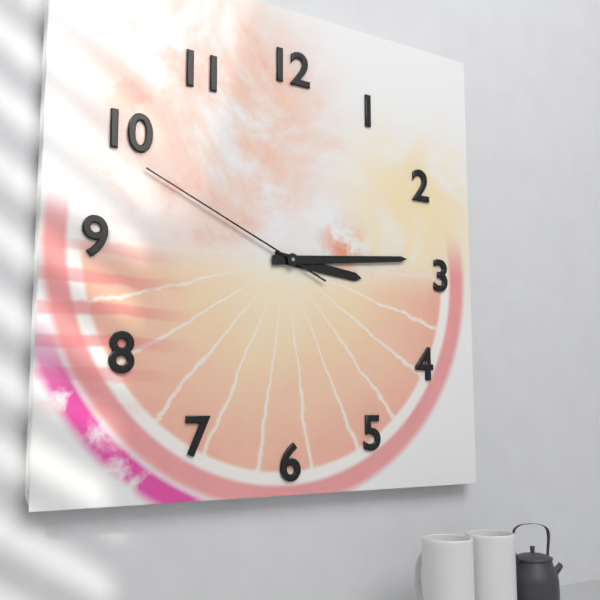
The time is 3 h 14 min 49 s
